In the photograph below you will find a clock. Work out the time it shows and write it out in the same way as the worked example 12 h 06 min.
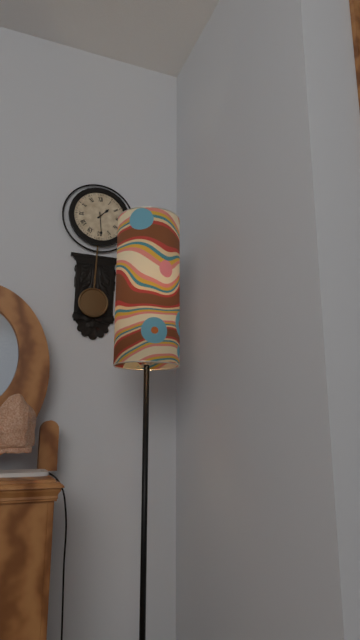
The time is 1 h 29 min
